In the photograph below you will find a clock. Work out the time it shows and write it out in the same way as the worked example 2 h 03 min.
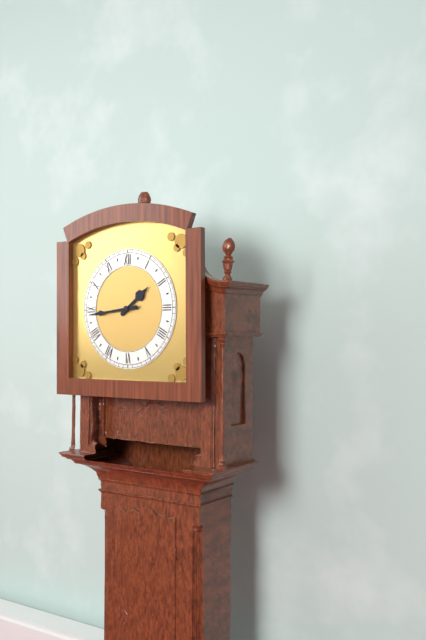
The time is 1 h 44 min
